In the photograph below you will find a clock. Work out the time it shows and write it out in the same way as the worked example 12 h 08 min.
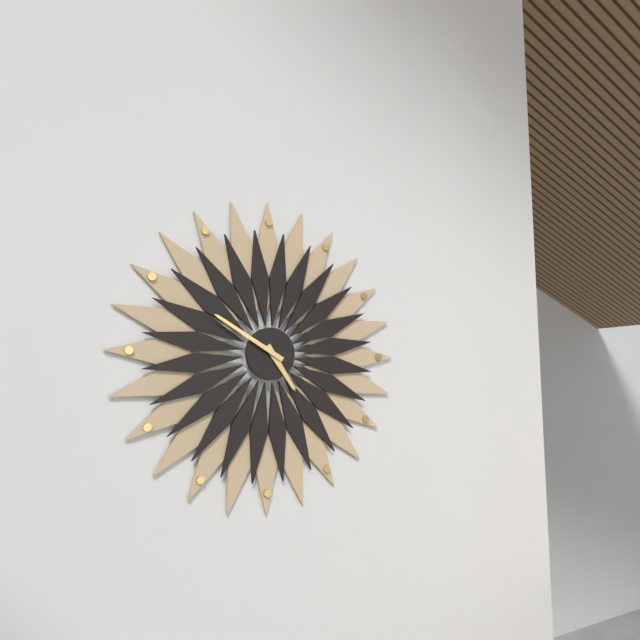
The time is 4 h 50 min
